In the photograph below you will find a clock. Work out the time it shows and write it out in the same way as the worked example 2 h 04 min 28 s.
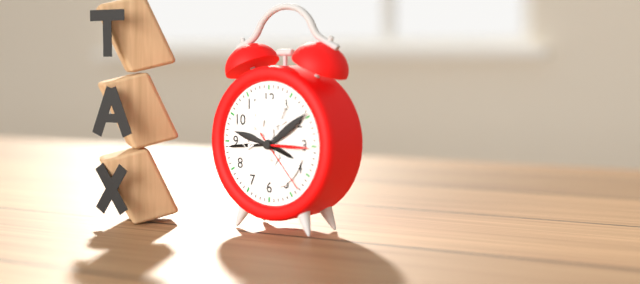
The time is 3 h 44 min 23 s
